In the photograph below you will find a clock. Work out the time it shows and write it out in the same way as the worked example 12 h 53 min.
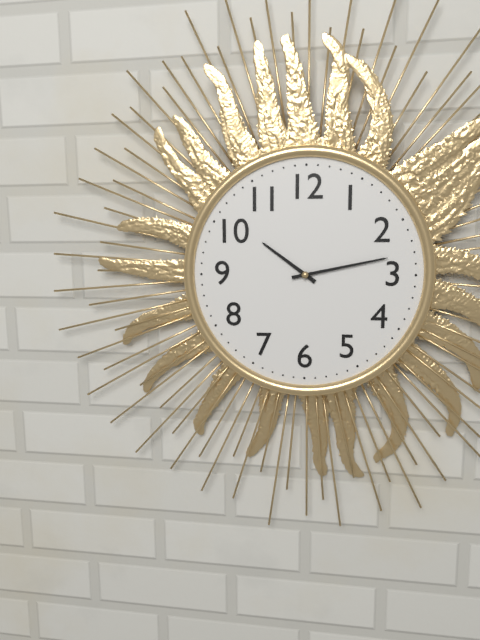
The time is 10 h 13 min
